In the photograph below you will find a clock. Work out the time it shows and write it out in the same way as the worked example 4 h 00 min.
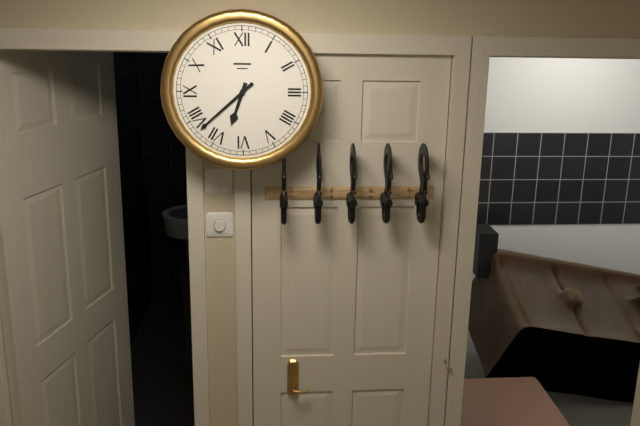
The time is 6 h 38 min
